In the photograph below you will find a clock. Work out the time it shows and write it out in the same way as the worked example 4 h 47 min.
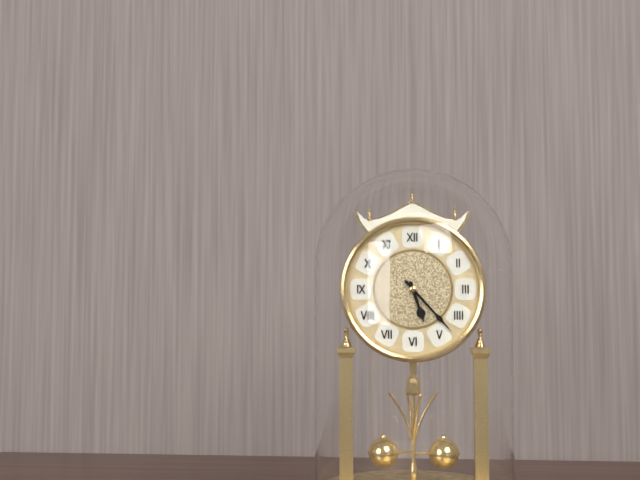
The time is 5 h 23 min
